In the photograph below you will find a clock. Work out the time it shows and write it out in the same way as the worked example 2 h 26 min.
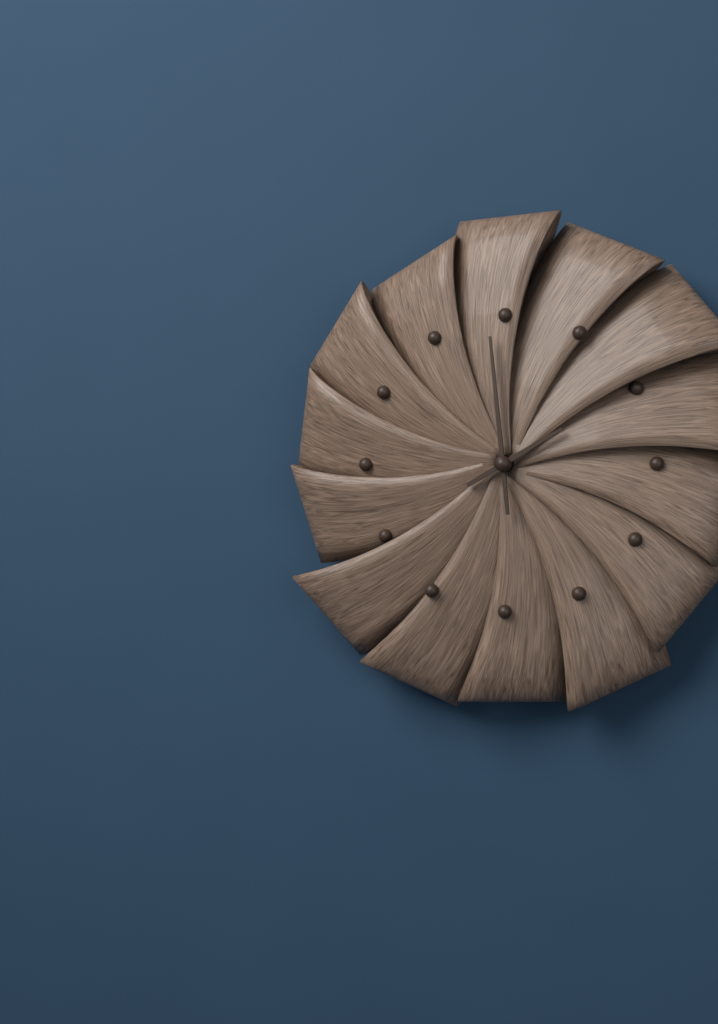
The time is 1 h 59 min
